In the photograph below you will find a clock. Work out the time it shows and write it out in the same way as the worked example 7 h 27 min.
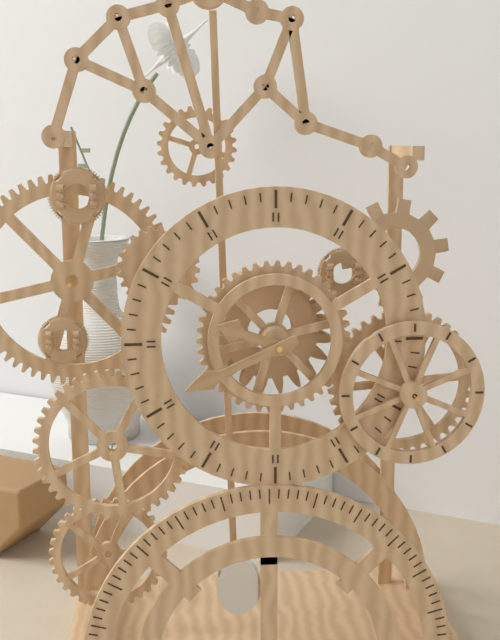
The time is 9 h 41 min
